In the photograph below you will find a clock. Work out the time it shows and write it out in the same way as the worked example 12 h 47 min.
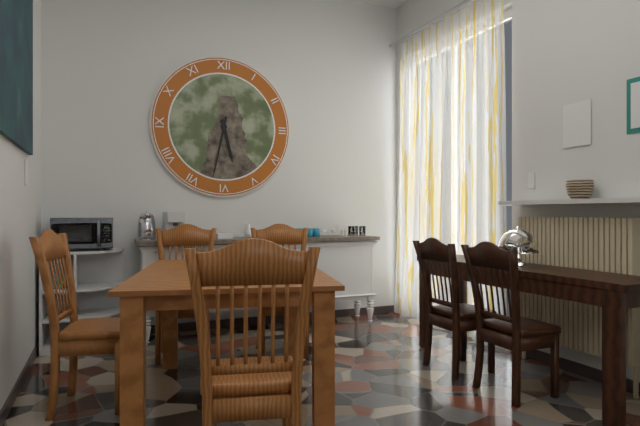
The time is 5 h 32 min
